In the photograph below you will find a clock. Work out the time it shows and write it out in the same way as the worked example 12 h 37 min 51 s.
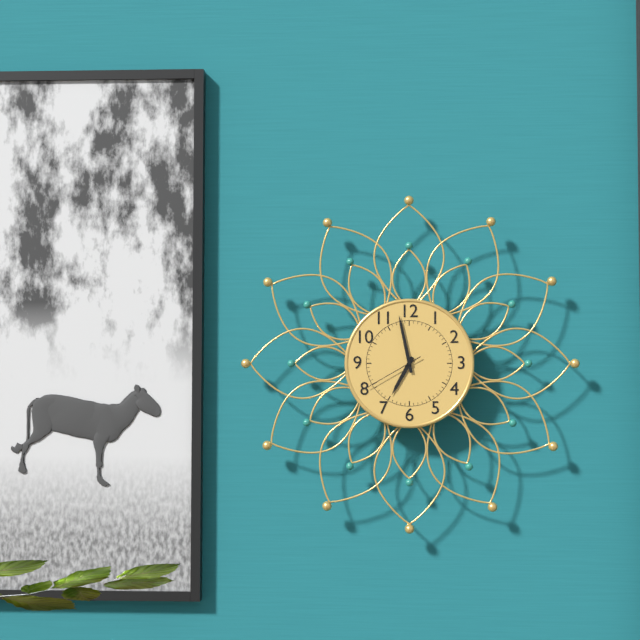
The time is 6 h 58 min 40 s
